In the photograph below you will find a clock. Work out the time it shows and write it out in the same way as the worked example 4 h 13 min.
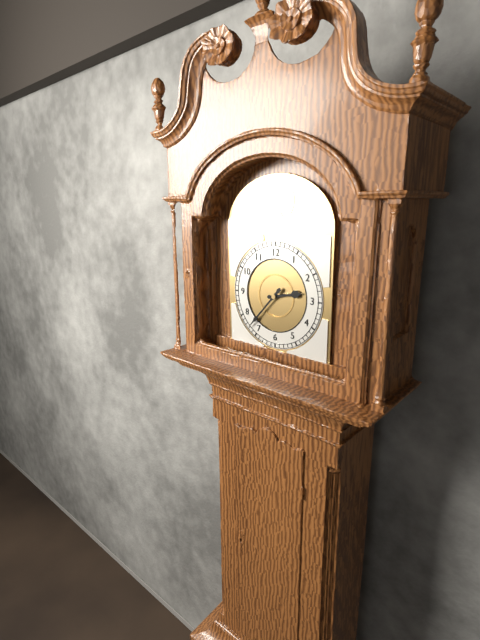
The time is 2 h 37 min
